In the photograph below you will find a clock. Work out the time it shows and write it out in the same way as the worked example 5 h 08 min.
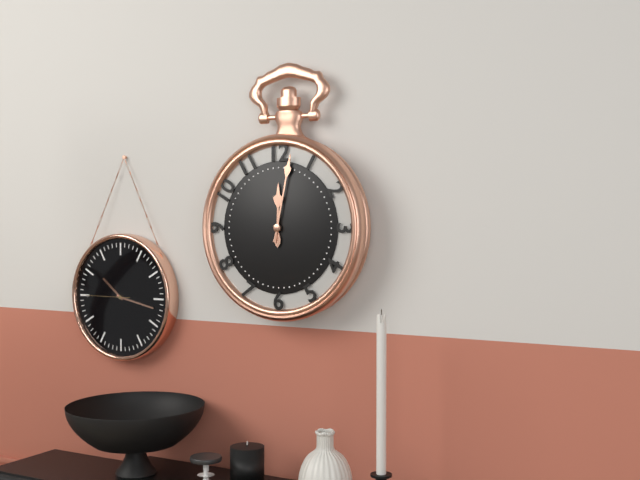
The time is 12 h 02 min
